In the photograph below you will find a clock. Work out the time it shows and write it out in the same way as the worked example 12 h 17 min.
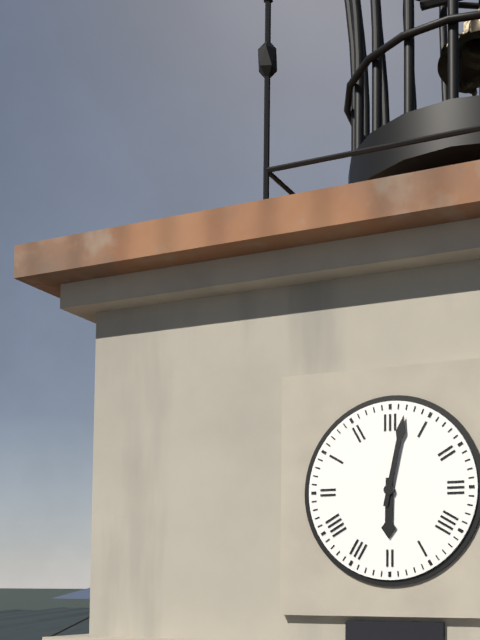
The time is 6 h 02 min
